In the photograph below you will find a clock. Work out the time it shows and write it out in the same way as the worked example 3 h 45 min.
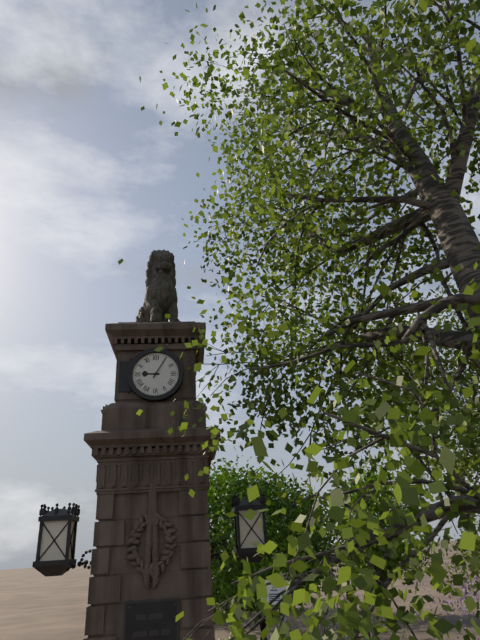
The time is 9 h 05 min
